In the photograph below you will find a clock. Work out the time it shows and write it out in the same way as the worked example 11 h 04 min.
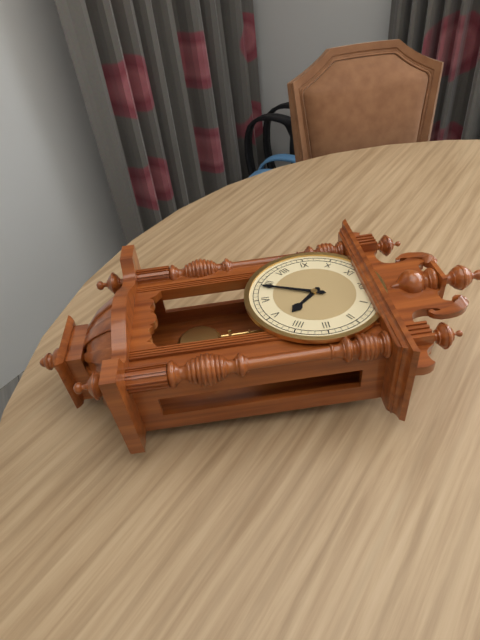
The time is 4 h 34 min
